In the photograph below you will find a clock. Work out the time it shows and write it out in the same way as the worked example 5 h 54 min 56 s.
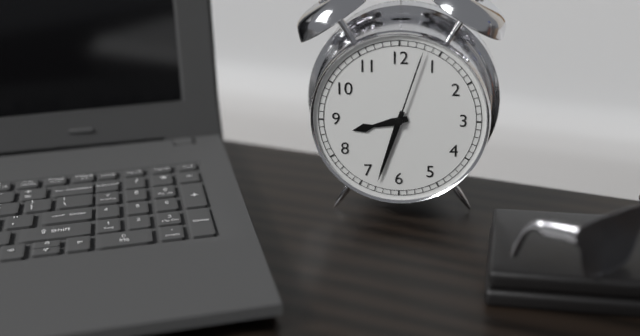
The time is 8 h 33 min 03 s
